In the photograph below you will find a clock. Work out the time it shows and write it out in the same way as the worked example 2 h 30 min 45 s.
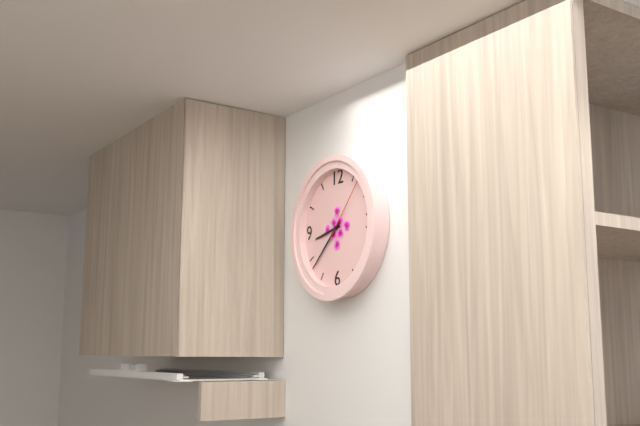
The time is 8 h 38 min 07 s
